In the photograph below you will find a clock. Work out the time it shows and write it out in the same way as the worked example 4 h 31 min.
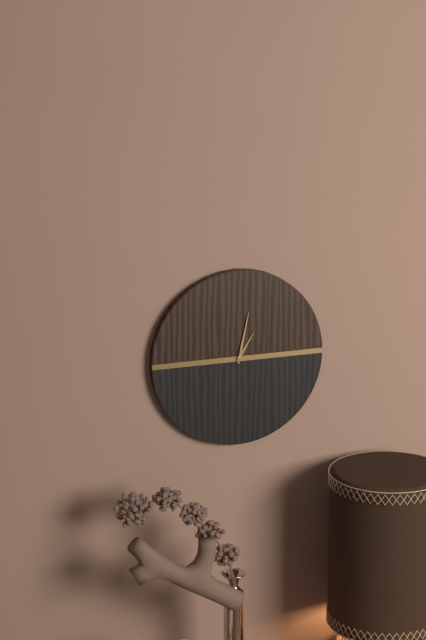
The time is 1 h 02 min
